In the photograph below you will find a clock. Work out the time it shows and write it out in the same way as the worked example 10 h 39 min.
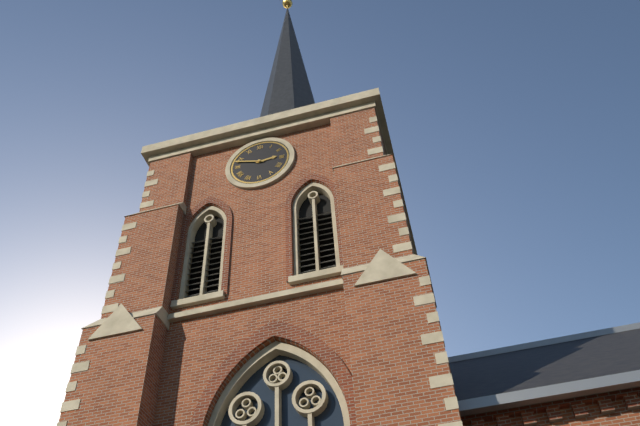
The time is 2 h 48 min
